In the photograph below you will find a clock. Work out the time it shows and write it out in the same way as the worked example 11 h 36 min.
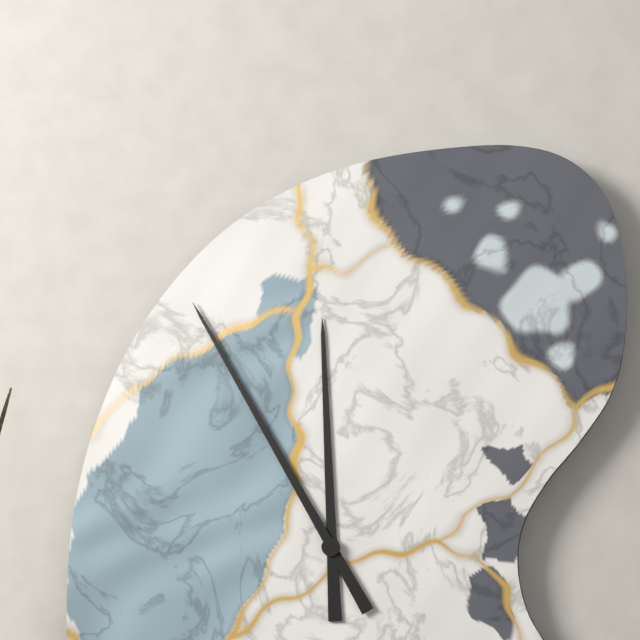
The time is 11 h 55 min
